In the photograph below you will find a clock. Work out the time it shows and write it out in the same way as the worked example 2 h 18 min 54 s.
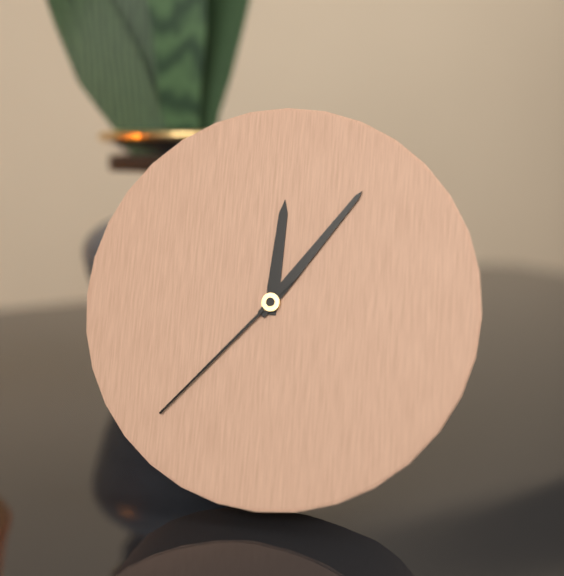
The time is 12 h 06 min 37 s
